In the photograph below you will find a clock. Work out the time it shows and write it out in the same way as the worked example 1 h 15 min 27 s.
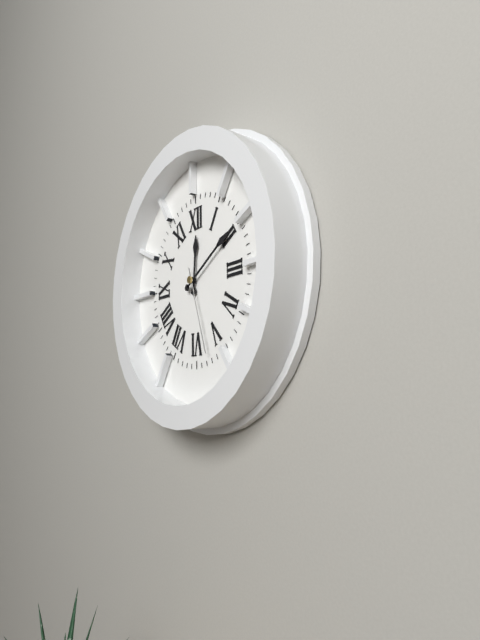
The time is 12 h 10 min 27 s
